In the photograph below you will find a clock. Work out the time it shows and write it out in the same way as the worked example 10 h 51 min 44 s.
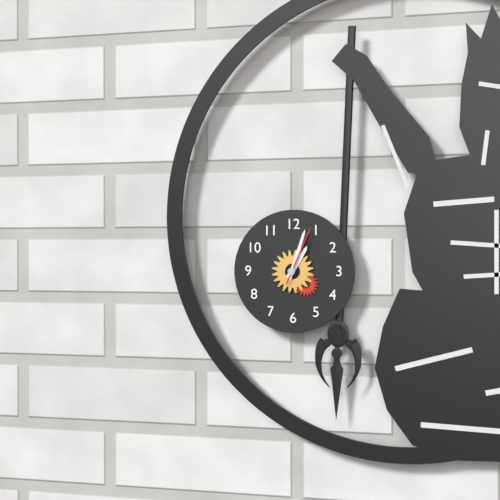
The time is 1 h 03 min 04 s
